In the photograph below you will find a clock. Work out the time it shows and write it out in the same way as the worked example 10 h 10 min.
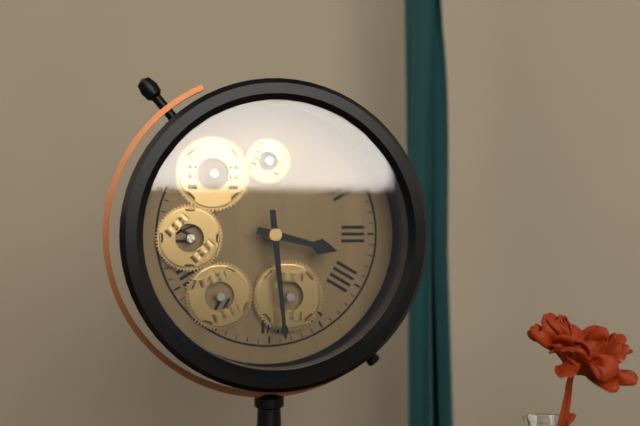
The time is 3 h 29 min
